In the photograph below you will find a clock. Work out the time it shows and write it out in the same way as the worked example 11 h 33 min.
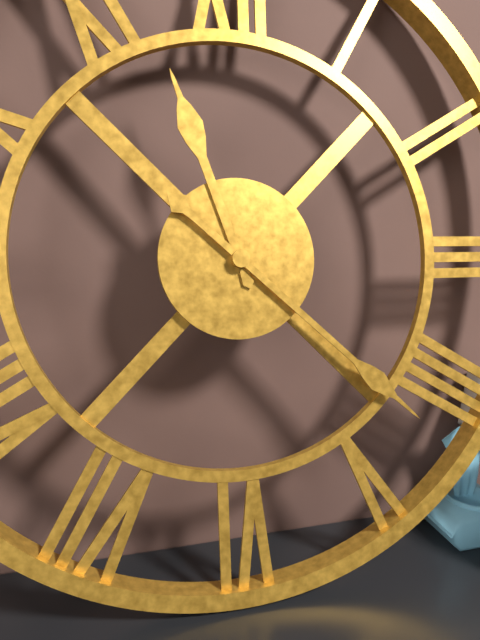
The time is 11 h 22 min
